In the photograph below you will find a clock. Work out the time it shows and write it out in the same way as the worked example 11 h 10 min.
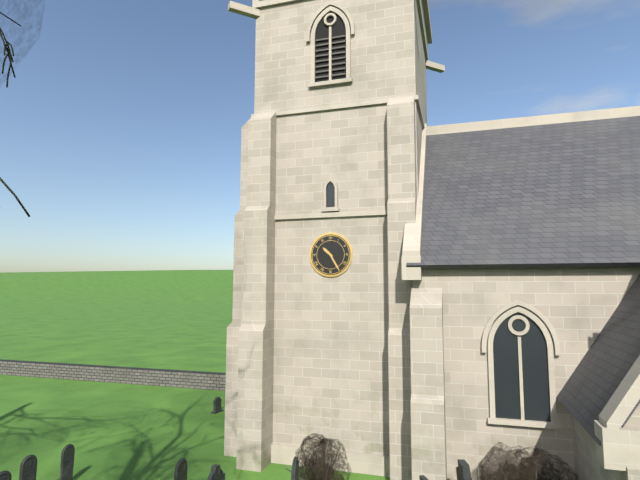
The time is 10 h 25 min
